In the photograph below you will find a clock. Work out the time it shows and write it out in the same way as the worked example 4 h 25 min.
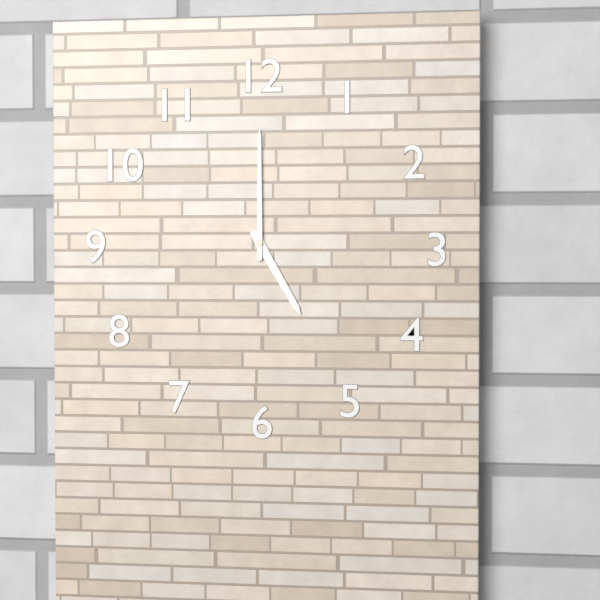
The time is 5 h 00 min
